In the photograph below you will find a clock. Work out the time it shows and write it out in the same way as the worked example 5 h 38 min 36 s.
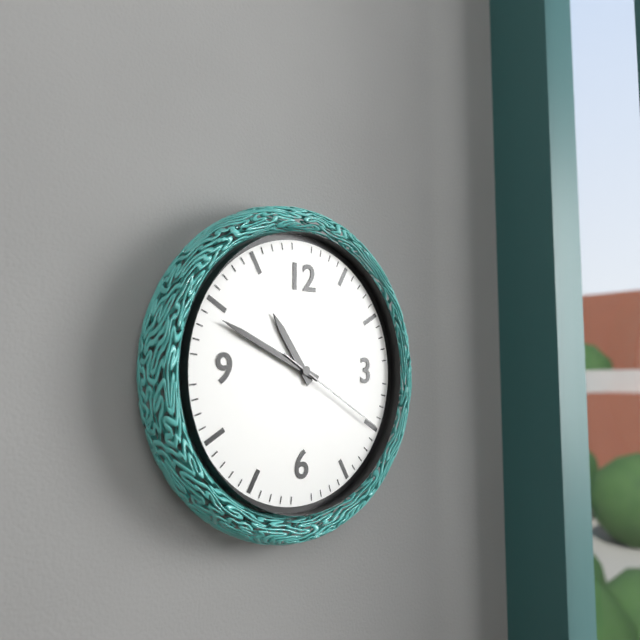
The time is 10 h 49 min 20 s
